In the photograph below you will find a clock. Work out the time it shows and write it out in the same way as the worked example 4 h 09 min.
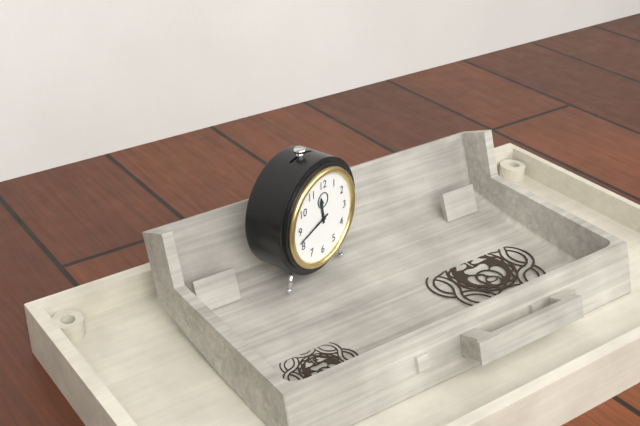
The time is 11 h 42 min
